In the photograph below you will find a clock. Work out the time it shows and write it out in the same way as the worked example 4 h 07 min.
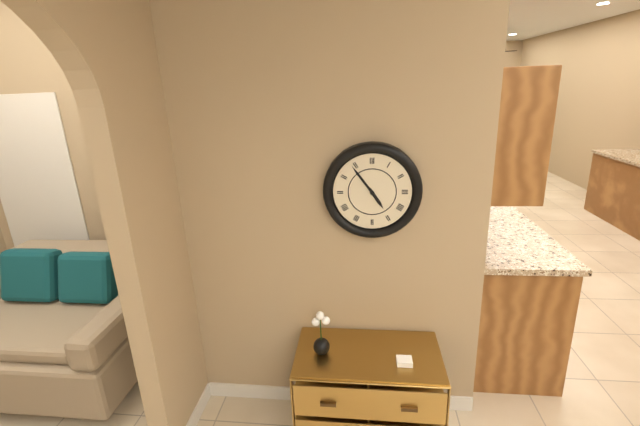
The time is 4 h 54 min
